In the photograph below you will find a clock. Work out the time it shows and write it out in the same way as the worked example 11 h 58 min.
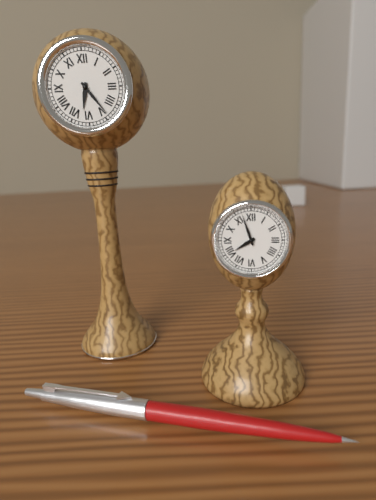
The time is 6 h 24 min
